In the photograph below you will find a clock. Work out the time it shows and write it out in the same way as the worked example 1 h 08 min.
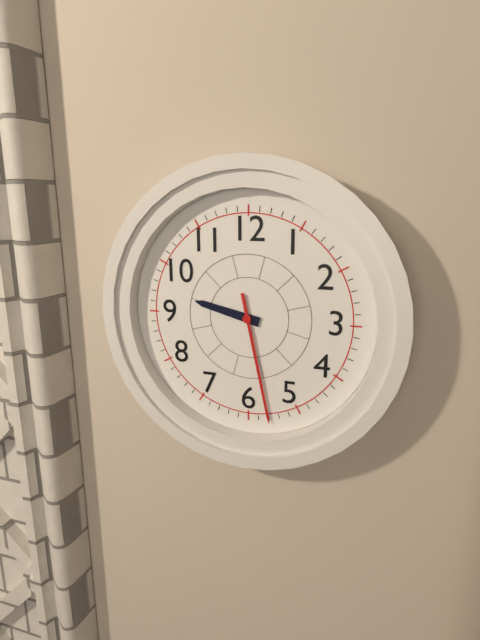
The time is 9 h 28 min
